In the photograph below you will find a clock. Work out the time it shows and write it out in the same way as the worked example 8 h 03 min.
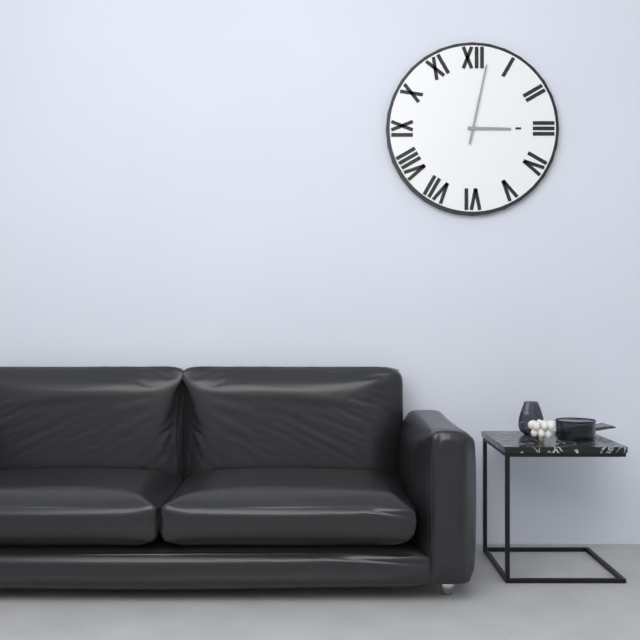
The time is 3 h 02 min
